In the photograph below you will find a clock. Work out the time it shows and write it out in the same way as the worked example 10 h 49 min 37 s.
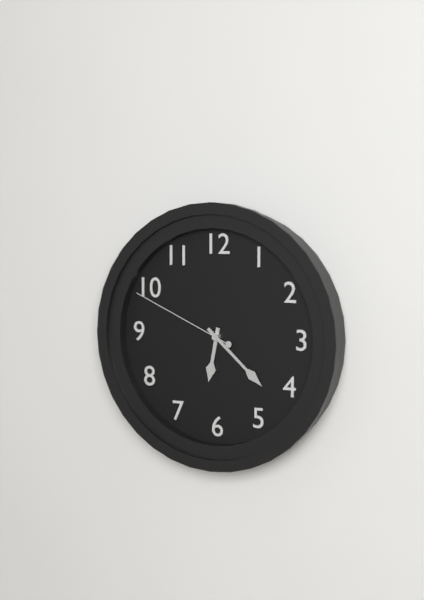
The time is 6 h 22 min 49 s
